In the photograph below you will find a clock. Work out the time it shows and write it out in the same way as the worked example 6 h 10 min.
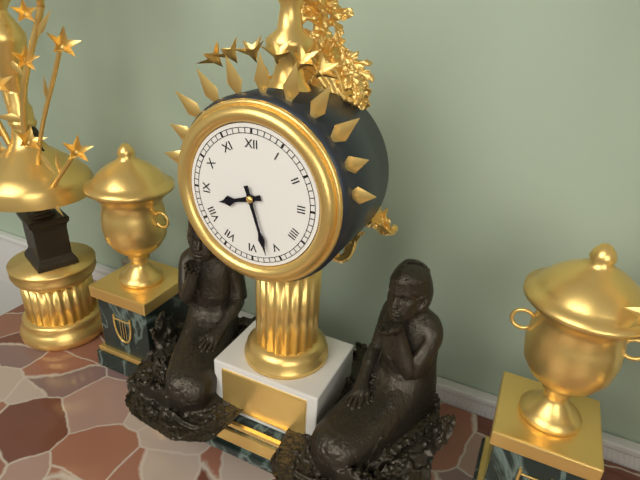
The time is 8 h 27 min
